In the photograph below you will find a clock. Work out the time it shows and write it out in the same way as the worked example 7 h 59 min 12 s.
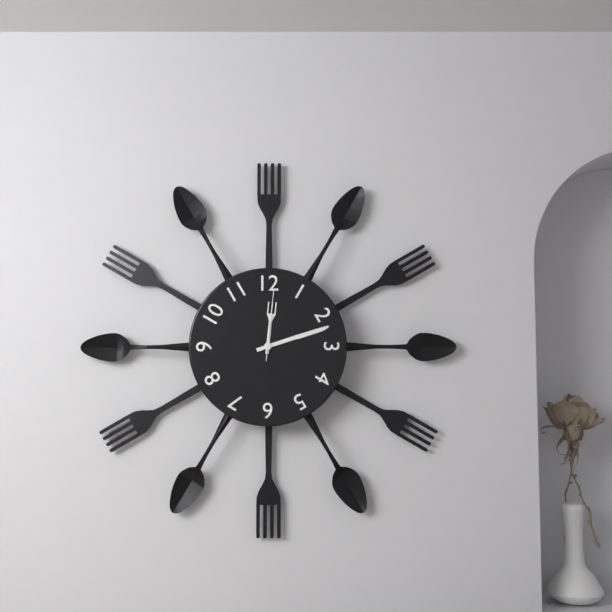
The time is 12 h 12 min 01 s
